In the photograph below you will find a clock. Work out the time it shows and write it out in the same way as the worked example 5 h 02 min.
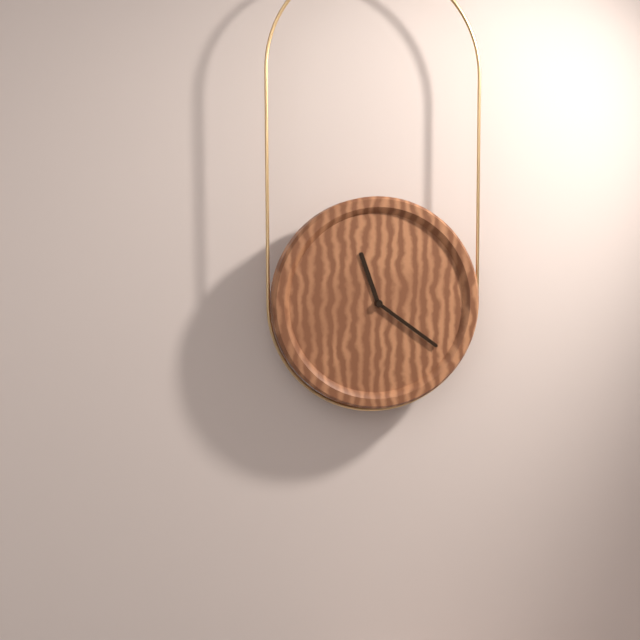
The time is 11 h 21 min
